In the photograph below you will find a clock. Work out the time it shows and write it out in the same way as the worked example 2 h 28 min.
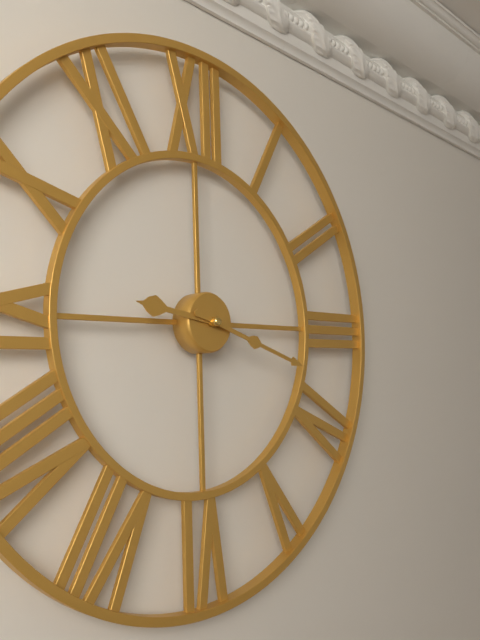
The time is 9 h 18 min
